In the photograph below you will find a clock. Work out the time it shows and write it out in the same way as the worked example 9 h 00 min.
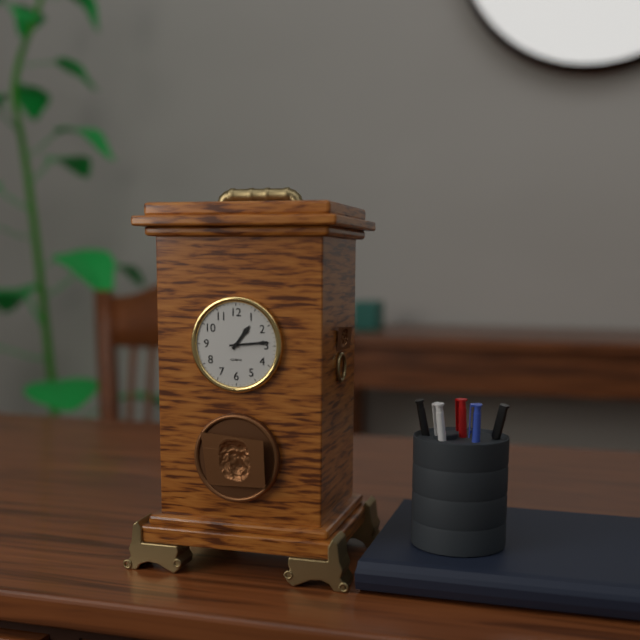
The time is 1 h 14 min
